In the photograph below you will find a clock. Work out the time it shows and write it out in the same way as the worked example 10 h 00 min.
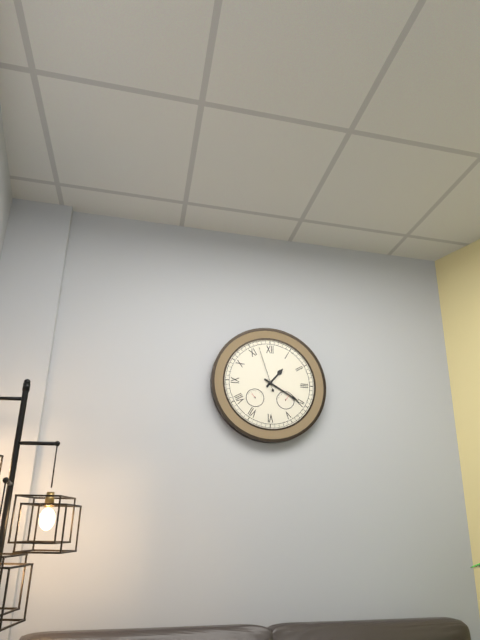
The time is 1 h 20 min
